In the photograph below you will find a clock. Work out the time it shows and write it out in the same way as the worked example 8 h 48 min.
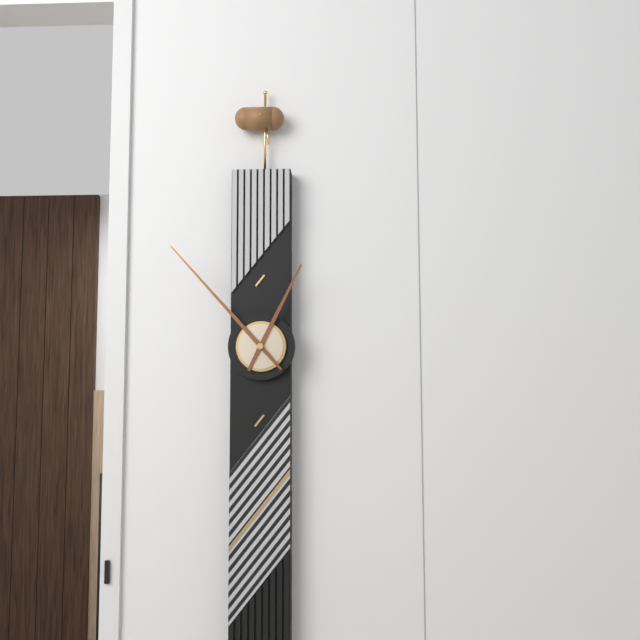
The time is 12 h 53 min
